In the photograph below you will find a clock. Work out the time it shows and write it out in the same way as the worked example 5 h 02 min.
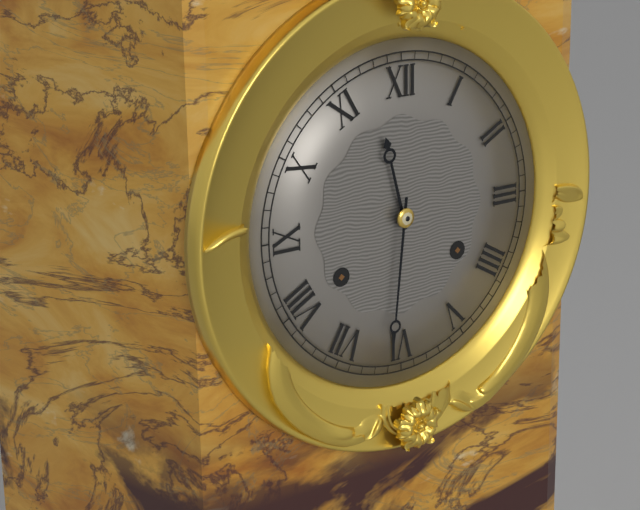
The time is 11 h 31 min
